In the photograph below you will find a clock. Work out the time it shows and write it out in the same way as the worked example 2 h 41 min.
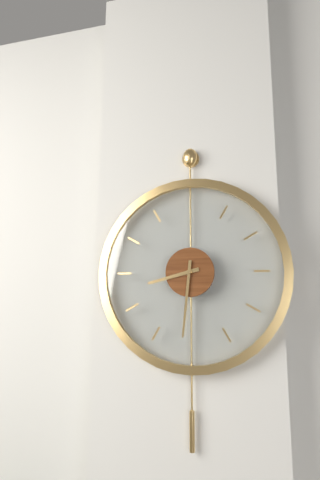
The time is 8 h 31 min
